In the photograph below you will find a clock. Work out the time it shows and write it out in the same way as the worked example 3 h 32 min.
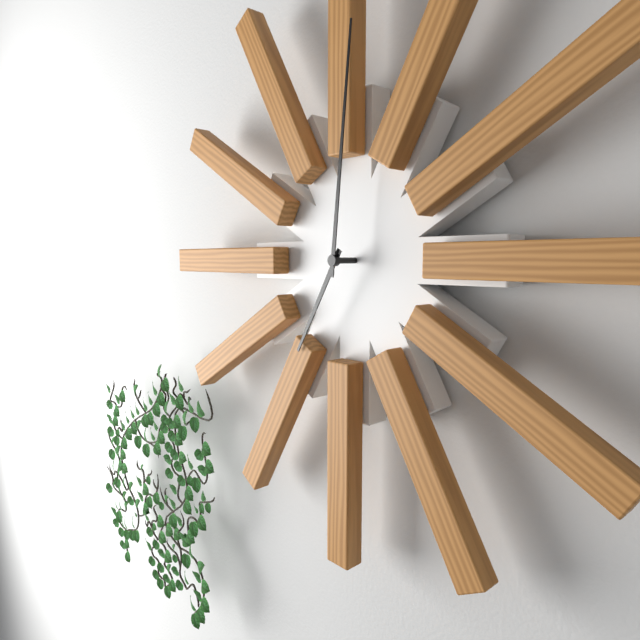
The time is 7 h 01 min
